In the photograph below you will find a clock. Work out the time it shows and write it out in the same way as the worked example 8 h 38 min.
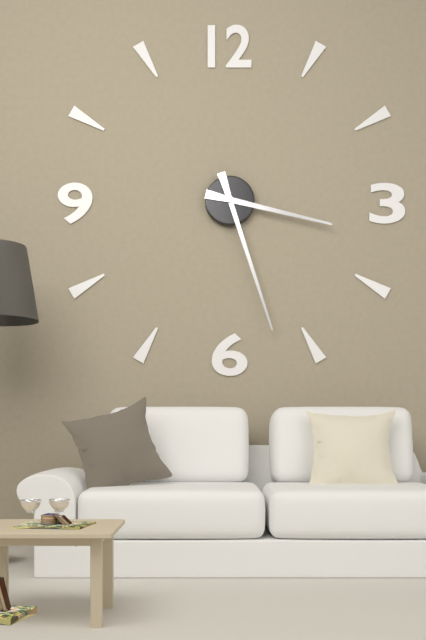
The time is 3 h 27 min
